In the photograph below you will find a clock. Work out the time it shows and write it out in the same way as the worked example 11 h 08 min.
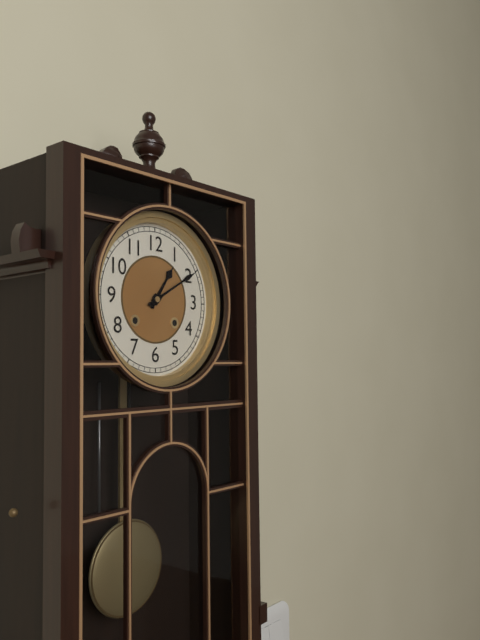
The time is 1 h 10 min
